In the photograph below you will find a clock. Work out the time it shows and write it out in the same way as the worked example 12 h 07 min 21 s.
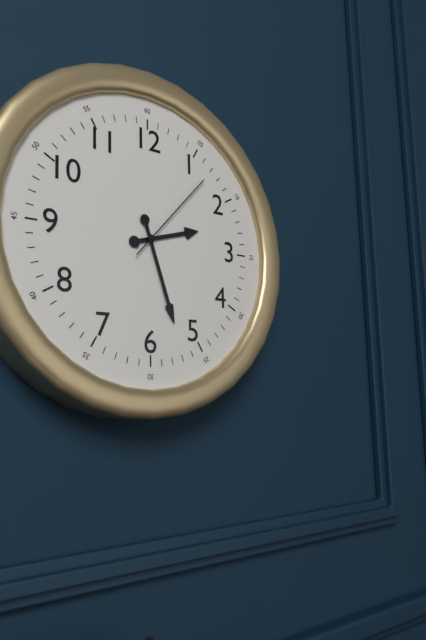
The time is 2 h 27 min 07 s
